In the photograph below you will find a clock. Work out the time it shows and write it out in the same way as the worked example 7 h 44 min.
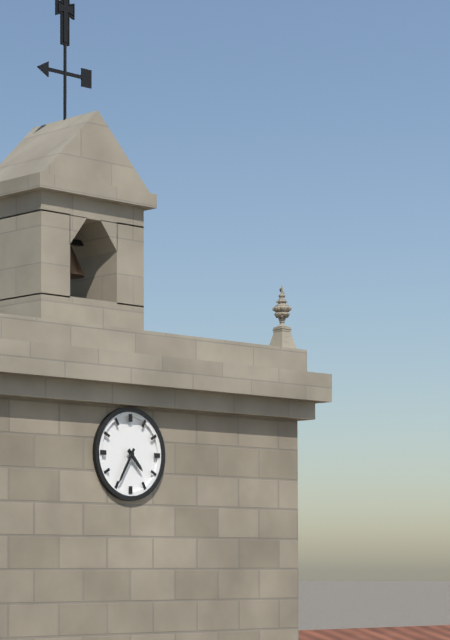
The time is 4 h 35 min
